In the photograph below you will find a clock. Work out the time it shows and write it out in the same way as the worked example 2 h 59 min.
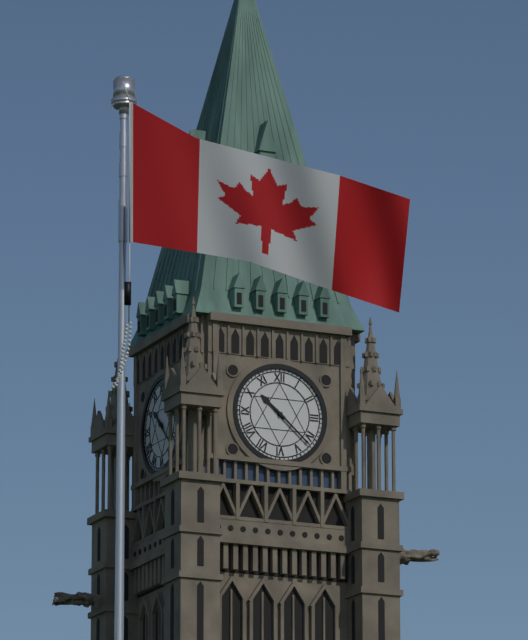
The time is 10 h 22 min
